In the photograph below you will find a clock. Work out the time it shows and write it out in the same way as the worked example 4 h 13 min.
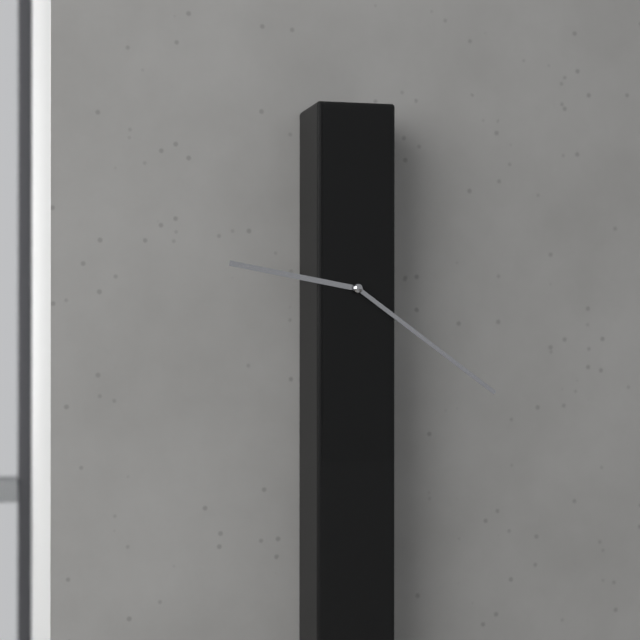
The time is 9 h 21 min
